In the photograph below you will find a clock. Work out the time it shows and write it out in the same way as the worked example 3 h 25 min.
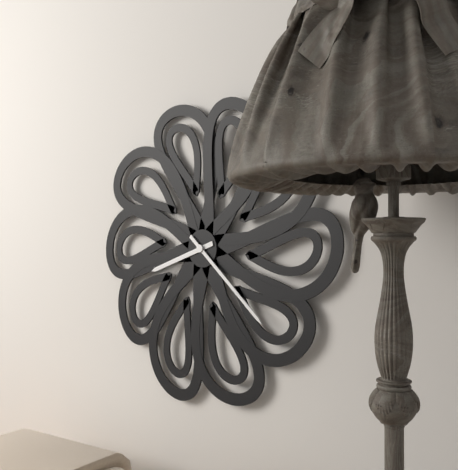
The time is 8 h 22 min
